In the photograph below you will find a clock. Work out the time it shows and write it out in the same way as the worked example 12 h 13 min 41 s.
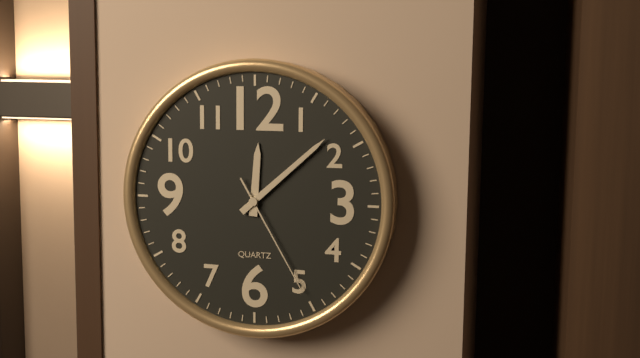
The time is 12 h 08 min 25 s
